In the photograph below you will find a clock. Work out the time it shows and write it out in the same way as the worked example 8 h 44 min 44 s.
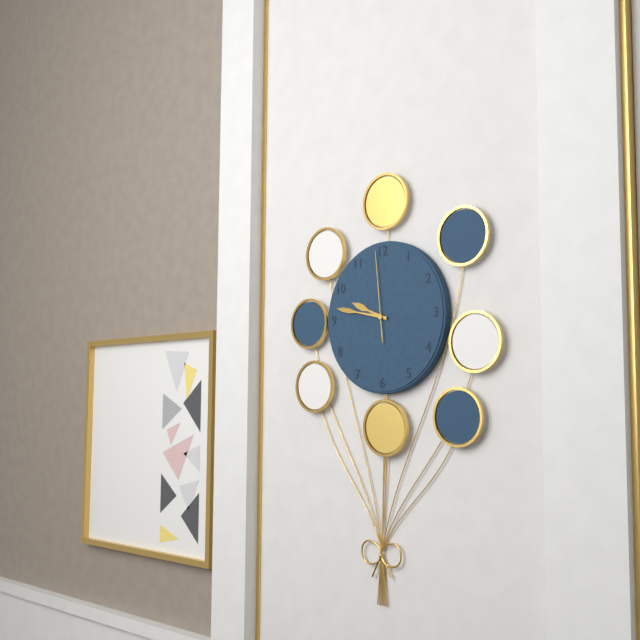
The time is 9 h 47 min 59 s
